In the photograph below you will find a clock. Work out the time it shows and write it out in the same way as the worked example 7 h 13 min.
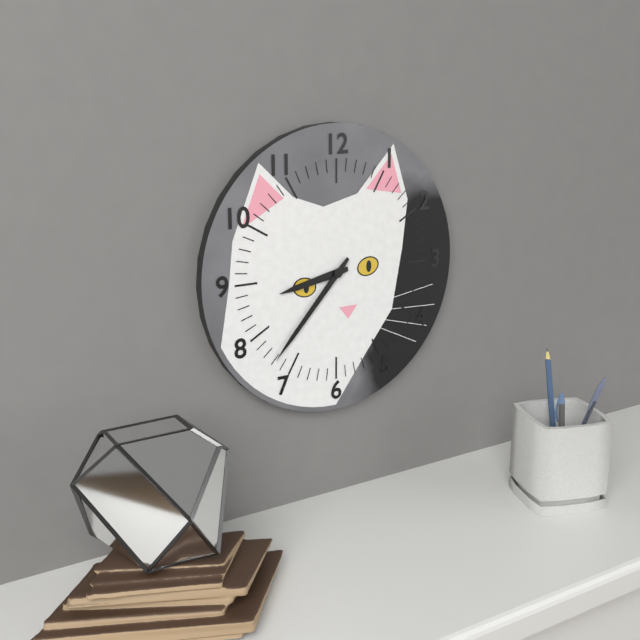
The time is 8 h 37 min
